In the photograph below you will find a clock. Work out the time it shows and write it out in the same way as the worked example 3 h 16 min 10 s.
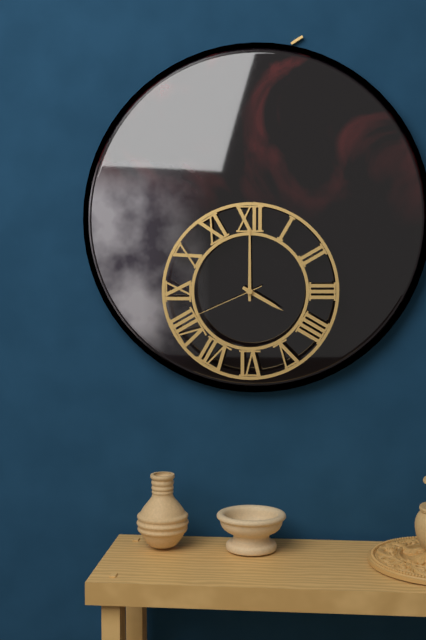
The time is 4 h 00 min 41 s
